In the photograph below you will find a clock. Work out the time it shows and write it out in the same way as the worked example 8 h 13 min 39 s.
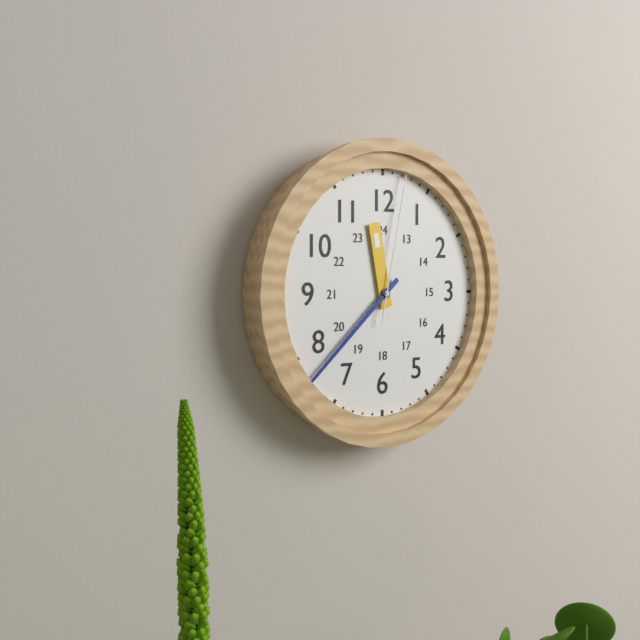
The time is 11 h 38 min 02 s
